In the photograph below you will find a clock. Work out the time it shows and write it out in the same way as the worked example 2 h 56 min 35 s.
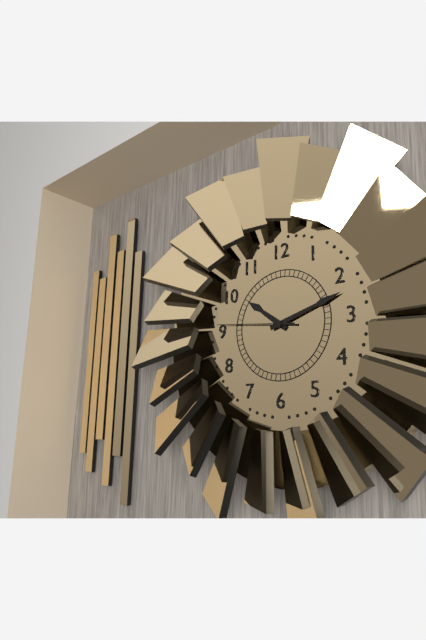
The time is 10 h 12 min 46 s
